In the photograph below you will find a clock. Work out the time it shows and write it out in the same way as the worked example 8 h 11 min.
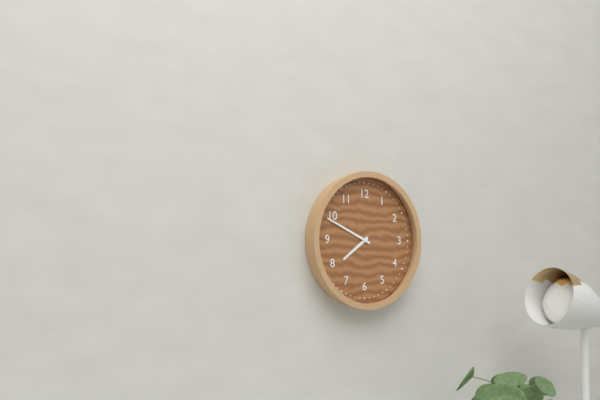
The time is 7 h 49 min
